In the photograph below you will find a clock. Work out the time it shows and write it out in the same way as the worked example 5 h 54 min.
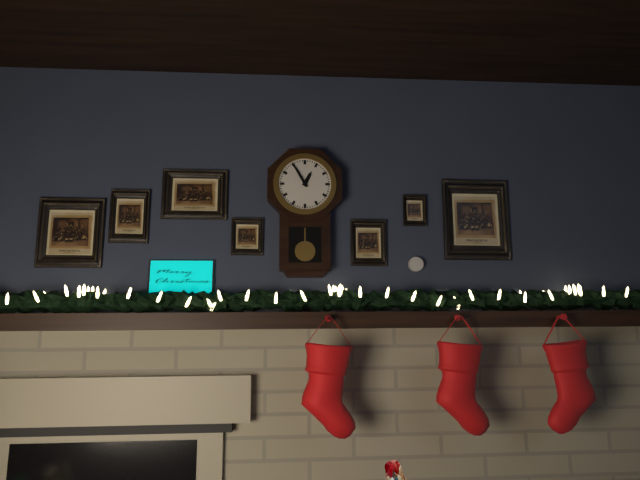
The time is 12 h 55 min
